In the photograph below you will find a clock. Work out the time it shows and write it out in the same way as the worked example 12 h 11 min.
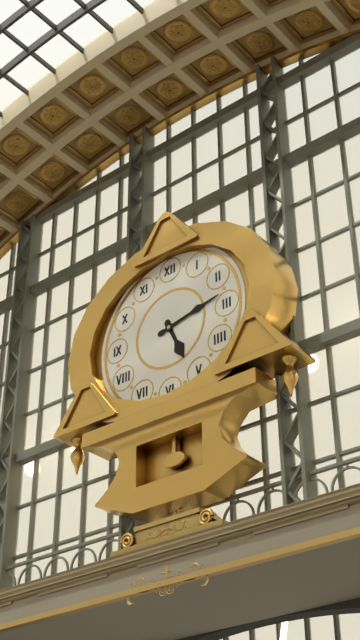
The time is 5 h 13 min
